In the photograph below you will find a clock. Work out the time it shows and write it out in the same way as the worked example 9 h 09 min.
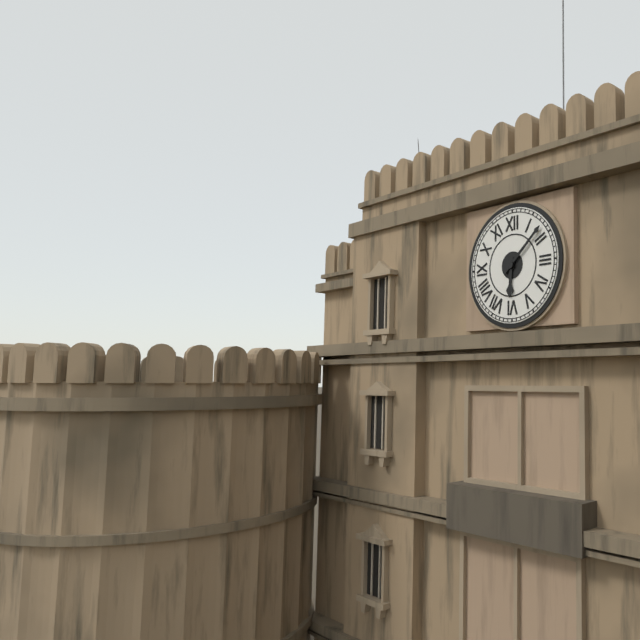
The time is 6 h 08 min
